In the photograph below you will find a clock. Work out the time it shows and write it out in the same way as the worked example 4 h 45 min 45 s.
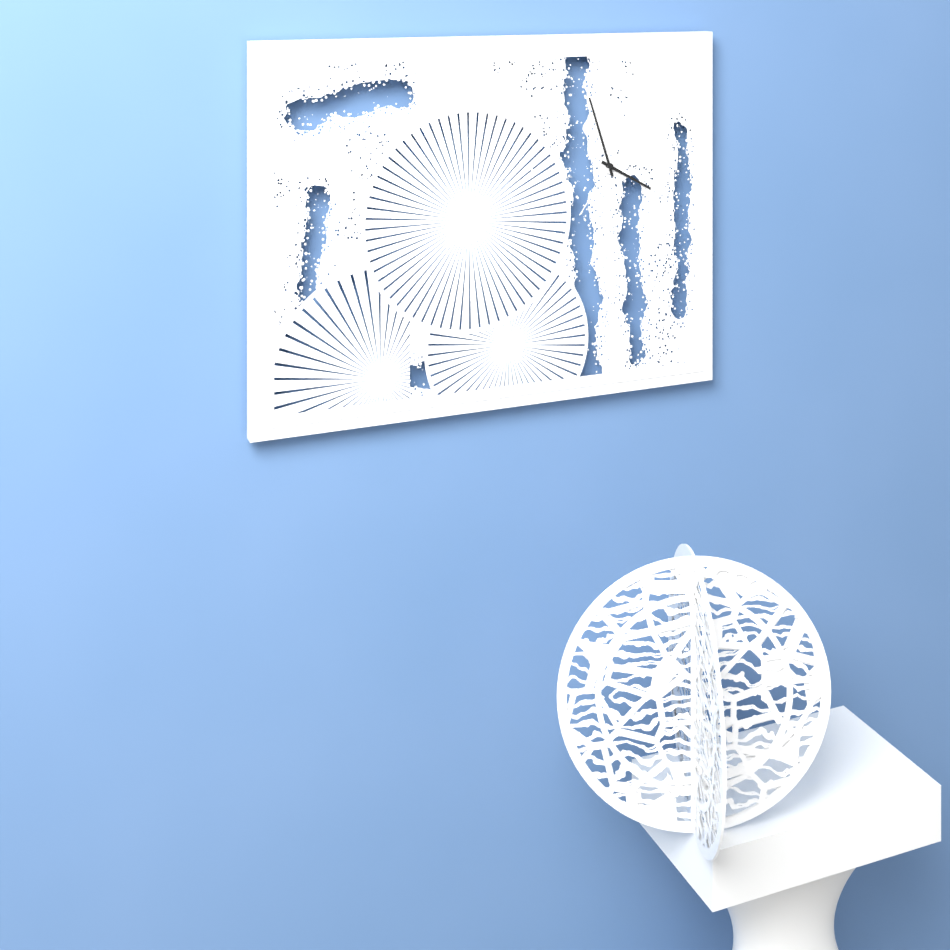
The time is 3 h 57 min 36 s
